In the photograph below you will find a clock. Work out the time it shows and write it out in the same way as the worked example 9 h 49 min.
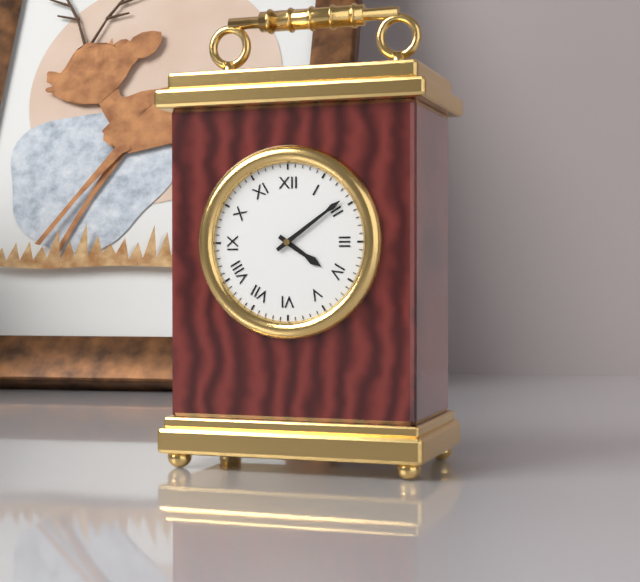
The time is 4 h 09 min
